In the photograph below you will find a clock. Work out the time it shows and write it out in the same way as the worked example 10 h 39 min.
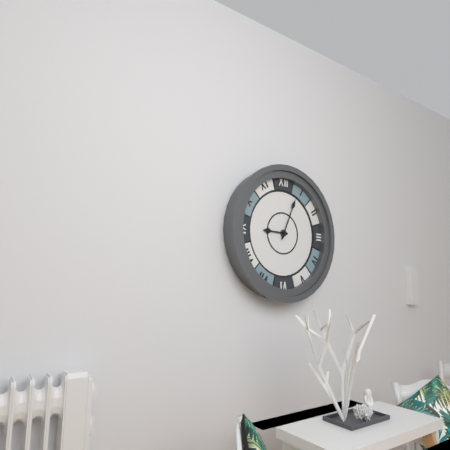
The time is 9 h 04 min
